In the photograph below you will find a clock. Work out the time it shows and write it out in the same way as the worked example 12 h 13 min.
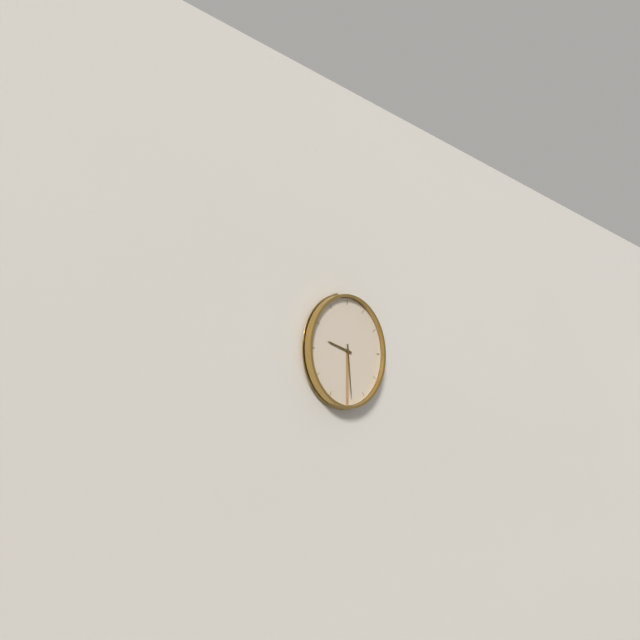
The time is 9 h 29 min
